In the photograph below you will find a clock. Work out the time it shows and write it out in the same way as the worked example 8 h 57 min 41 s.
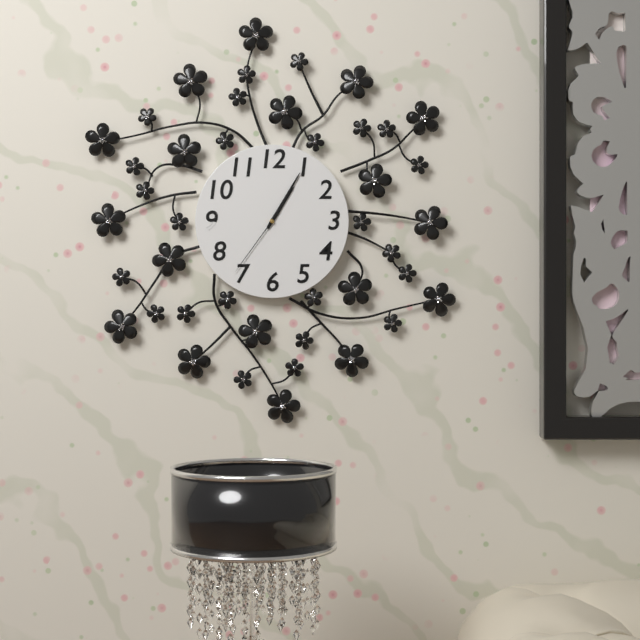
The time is 1 h 05 min 36 s
